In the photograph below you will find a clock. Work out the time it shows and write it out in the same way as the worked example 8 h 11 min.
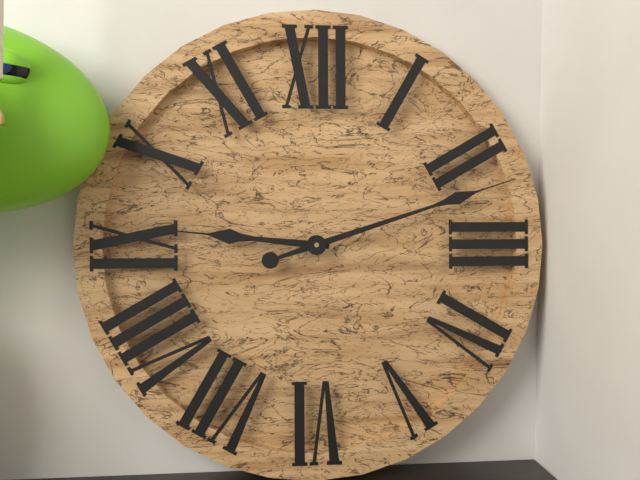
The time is 9 h 12 min
